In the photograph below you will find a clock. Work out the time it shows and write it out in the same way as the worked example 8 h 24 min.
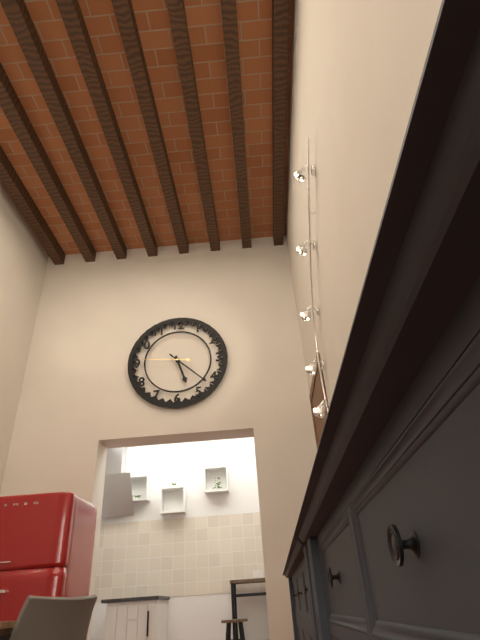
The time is 5 h 22 min
